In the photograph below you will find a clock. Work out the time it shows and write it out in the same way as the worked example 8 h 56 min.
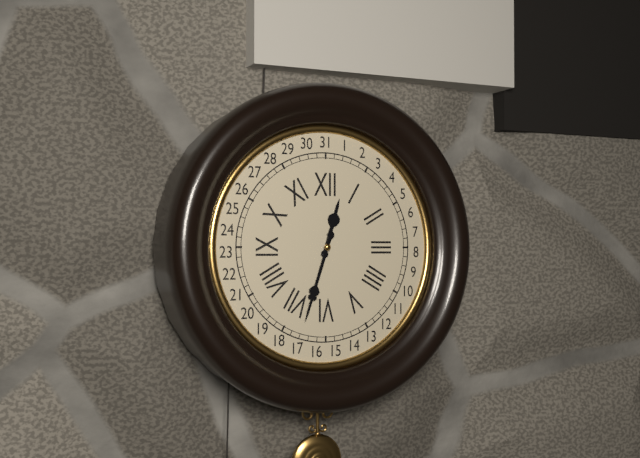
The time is 12 h 33 min
